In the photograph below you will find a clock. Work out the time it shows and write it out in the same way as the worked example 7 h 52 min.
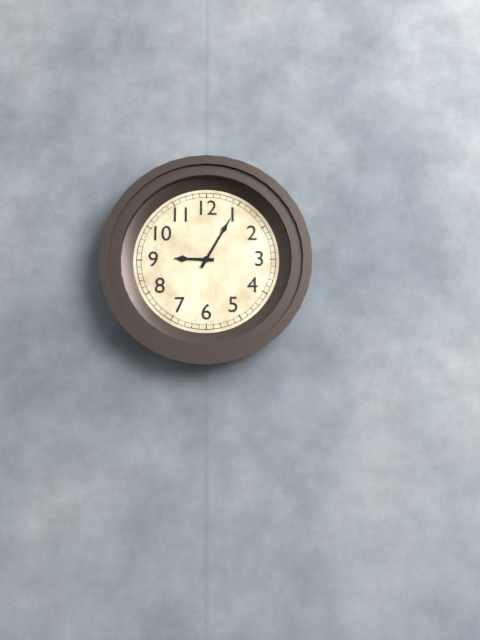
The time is 9 h 05 min
